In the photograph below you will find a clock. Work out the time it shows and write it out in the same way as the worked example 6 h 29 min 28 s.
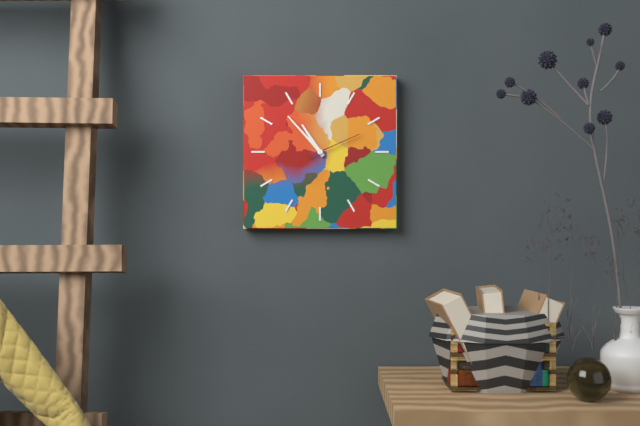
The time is 10 h 53 min 11 s
